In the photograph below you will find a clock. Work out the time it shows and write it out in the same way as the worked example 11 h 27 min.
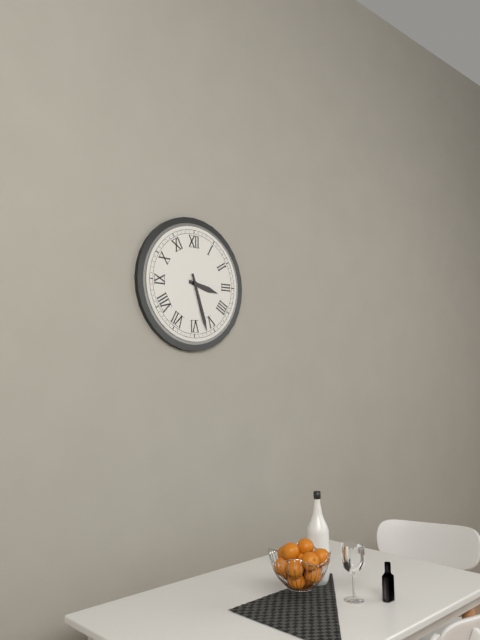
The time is 3 h 27 min
